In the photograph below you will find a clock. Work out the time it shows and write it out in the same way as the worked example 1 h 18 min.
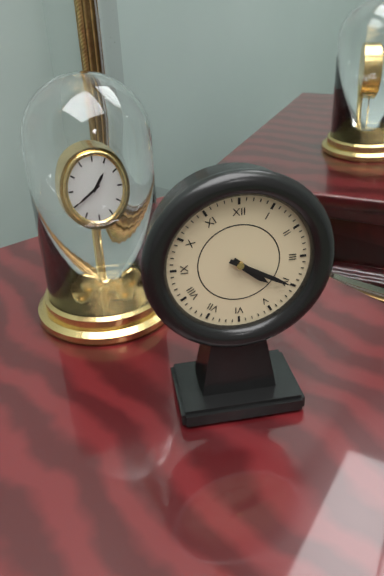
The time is 4 h 20 min
